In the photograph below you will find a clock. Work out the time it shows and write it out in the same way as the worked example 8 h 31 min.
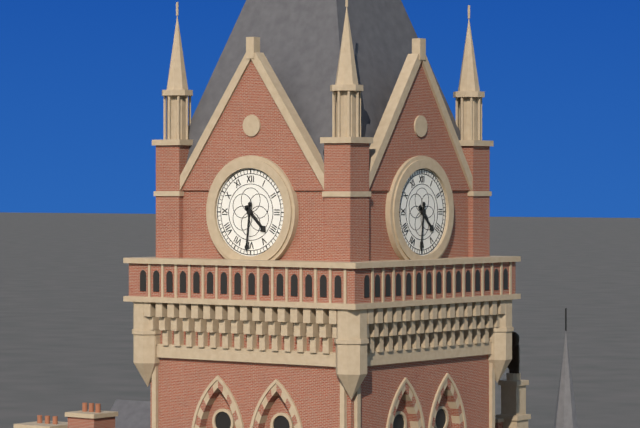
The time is 4 h 31 min
